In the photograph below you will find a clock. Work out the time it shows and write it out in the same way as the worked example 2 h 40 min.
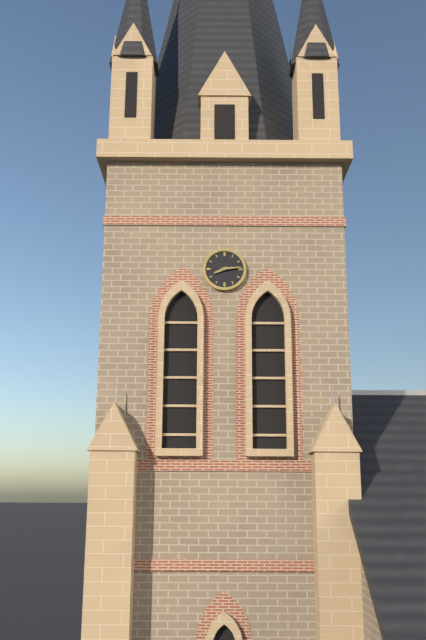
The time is 8 h 14 min
